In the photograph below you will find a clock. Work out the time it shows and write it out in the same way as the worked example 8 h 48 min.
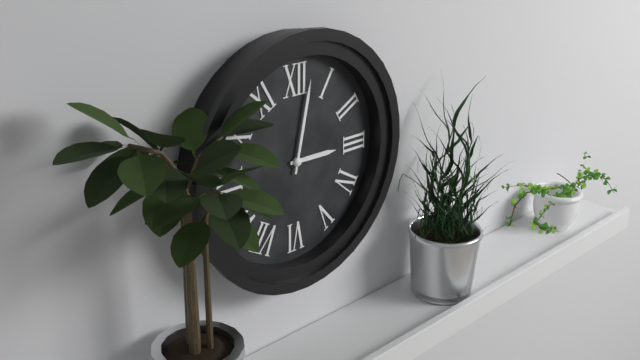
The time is 3 h 02 min
